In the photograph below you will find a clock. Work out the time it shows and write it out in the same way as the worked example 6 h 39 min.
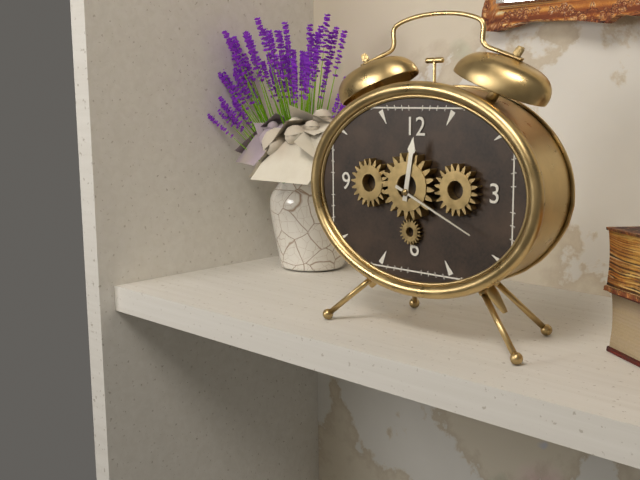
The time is 12 h 19 min
